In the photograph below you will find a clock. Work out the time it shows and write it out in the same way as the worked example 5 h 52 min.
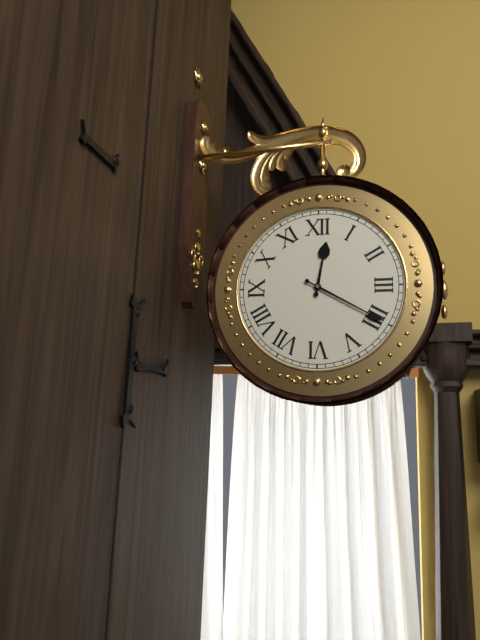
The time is 12 h 20 min
